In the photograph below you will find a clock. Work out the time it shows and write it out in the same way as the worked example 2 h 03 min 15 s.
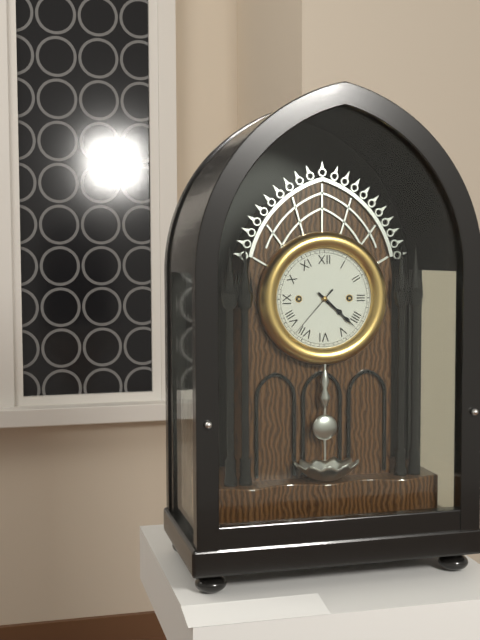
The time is 4 h 22 min 37 s
